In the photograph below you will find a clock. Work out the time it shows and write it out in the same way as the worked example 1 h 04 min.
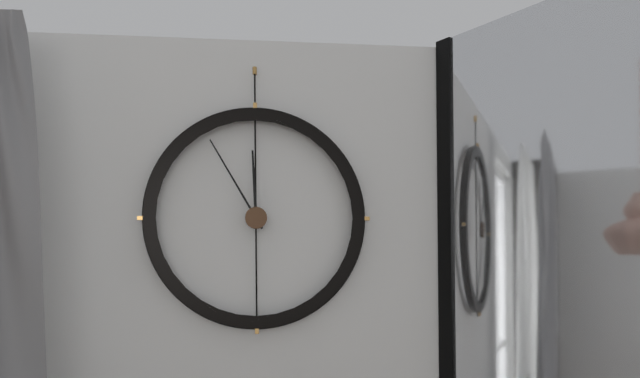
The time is 11 h 55 min
